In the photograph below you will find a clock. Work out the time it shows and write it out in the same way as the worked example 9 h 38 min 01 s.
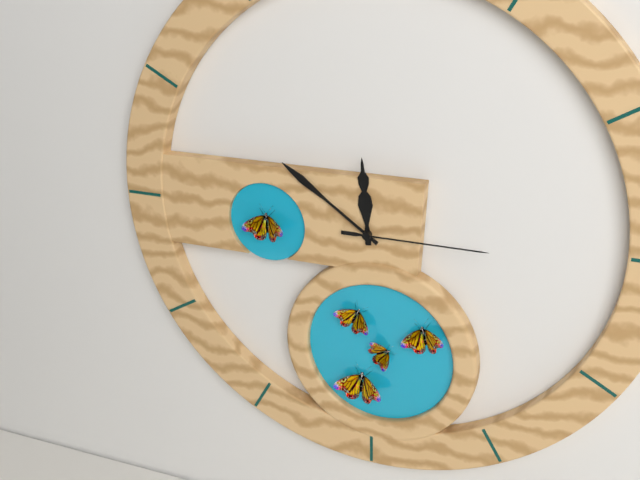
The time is 11 h 51 min 15 s
